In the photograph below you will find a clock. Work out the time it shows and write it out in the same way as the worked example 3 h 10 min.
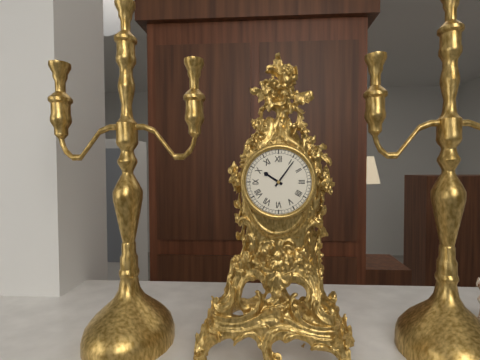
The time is 10 h 06 min
